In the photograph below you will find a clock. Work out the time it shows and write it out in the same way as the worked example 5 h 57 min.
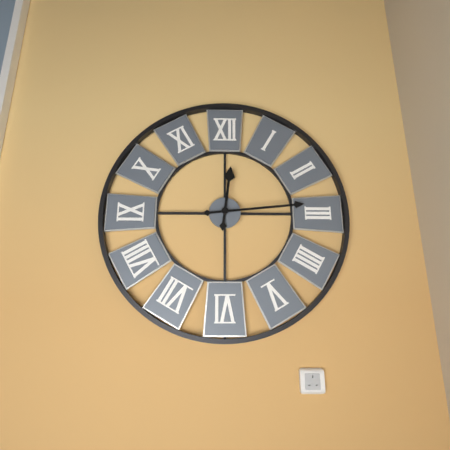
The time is 12 h 14 min
